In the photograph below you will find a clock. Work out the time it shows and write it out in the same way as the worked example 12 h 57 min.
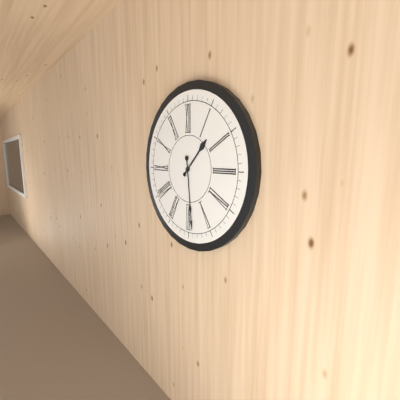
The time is 1 h 29 min
